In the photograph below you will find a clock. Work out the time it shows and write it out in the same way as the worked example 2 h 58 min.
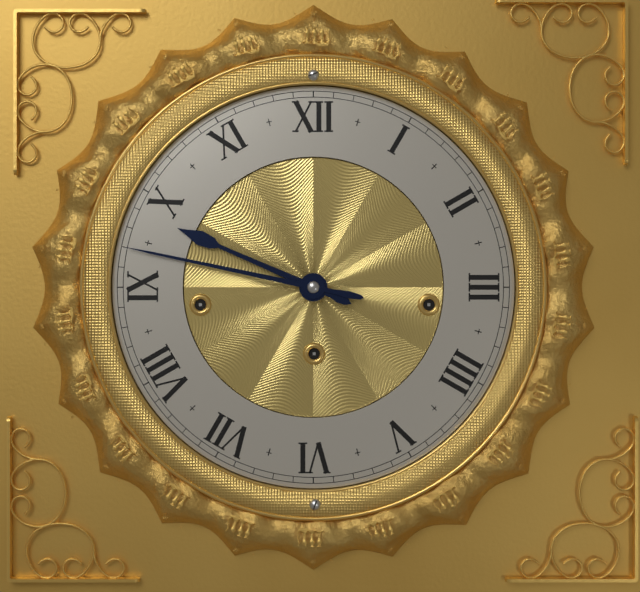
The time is 9 h 47 min
